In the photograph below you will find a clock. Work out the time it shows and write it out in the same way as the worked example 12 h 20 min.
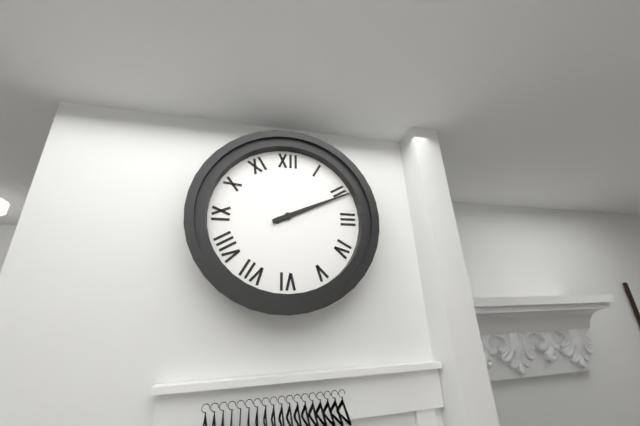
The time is 2 h 11 min
